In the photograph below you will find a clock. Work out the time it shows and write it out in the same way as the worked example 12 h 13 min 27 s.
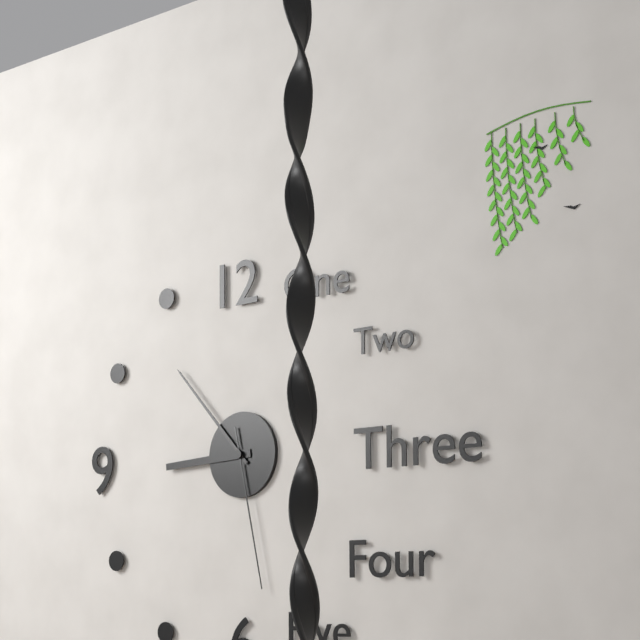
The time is 8 h 53 min 28 s
